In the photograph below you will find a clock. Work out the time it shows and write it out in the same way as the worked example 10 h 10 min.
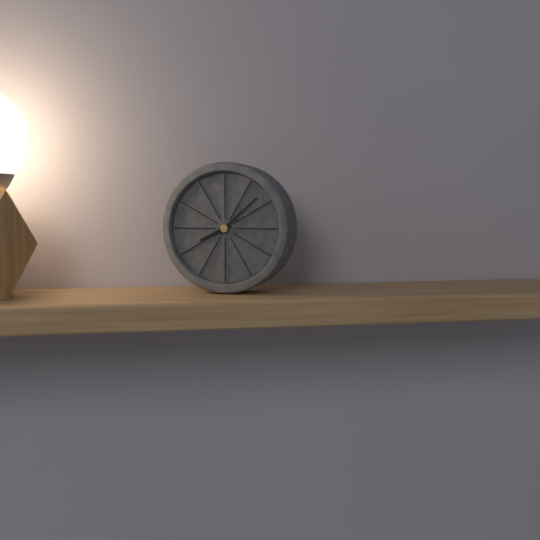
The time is 8 h 08 min
